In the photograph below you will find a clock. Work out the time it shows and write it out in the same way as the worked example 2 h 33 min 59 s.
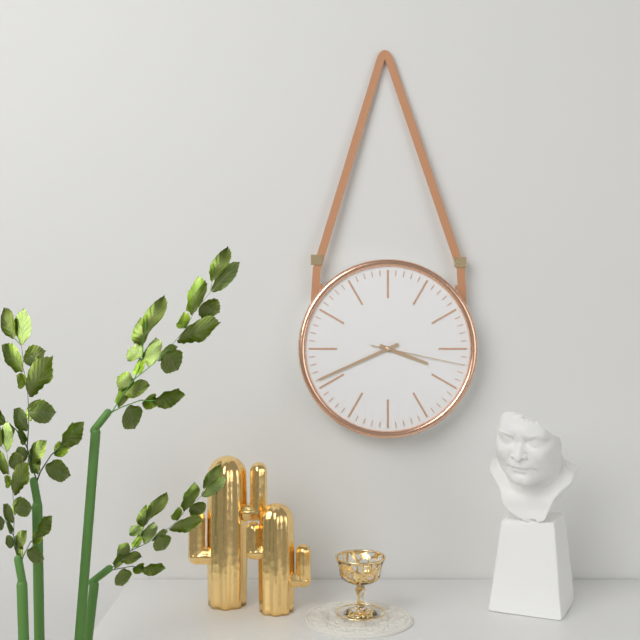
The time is 3 h 41 min 17 s
